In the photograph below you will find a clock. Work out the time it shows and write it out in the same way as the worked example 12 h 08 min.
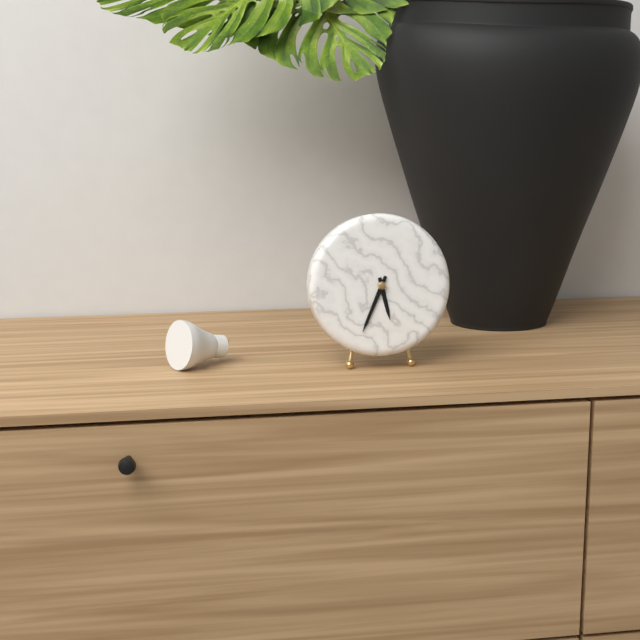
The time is 5 h 34 min
